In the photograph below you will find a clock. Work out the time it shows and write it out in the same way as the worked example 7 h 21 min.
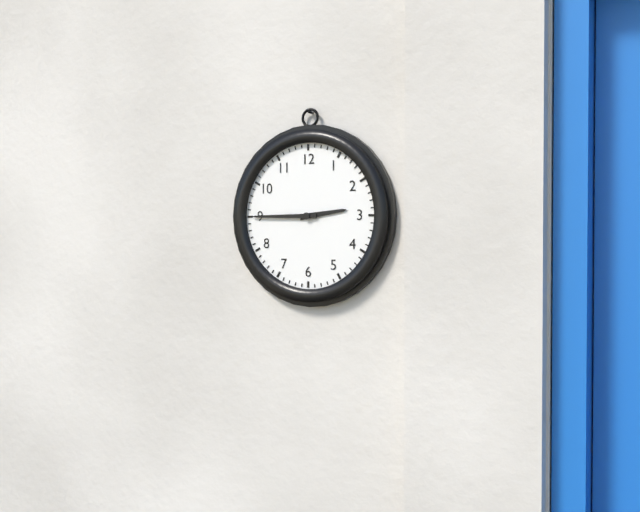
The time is 2 h 45 min
